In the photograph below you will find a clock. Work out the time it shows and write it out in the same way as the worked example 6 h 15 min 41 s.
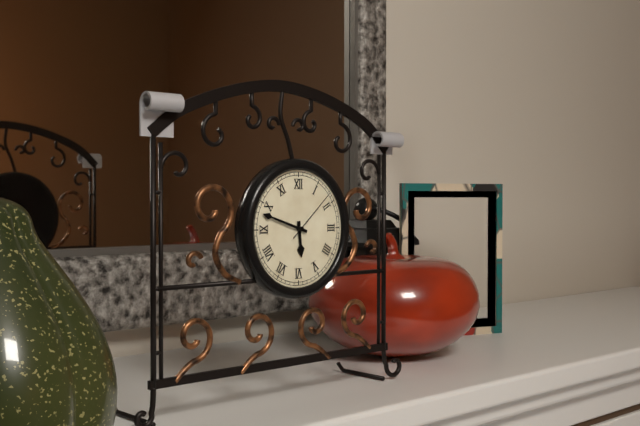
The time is 5 h 48 min 08 s
